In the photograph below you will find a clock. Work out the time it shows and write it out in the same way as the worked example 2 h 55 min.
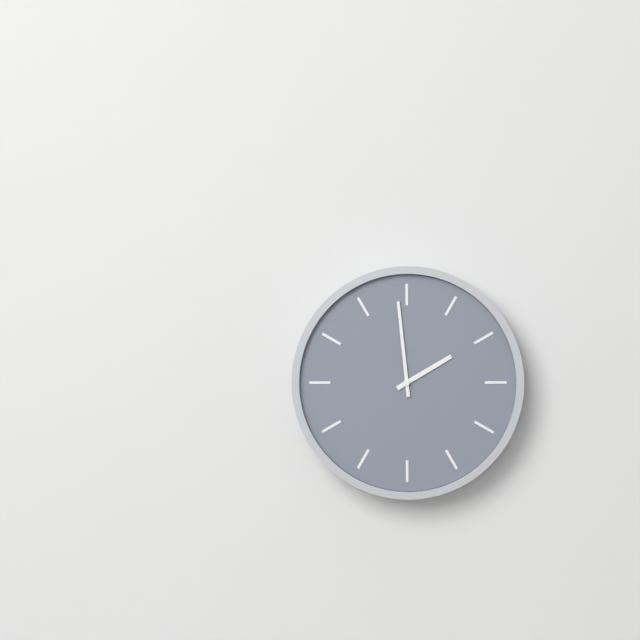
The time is 1 h 59 min
